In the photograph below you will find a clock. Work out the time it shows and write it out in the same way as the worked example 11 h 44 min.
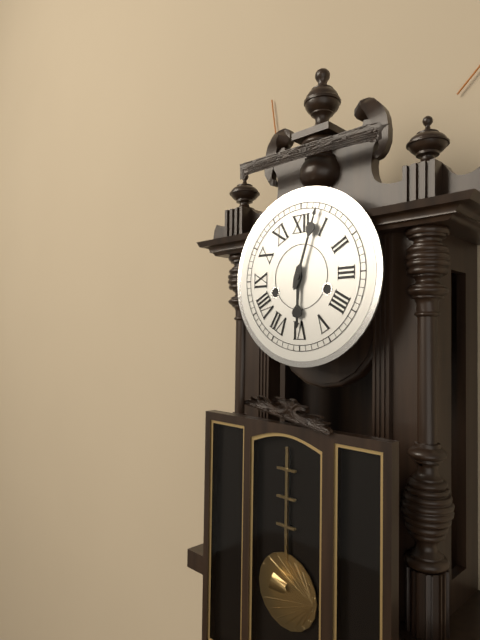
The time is 6 h 03 min
